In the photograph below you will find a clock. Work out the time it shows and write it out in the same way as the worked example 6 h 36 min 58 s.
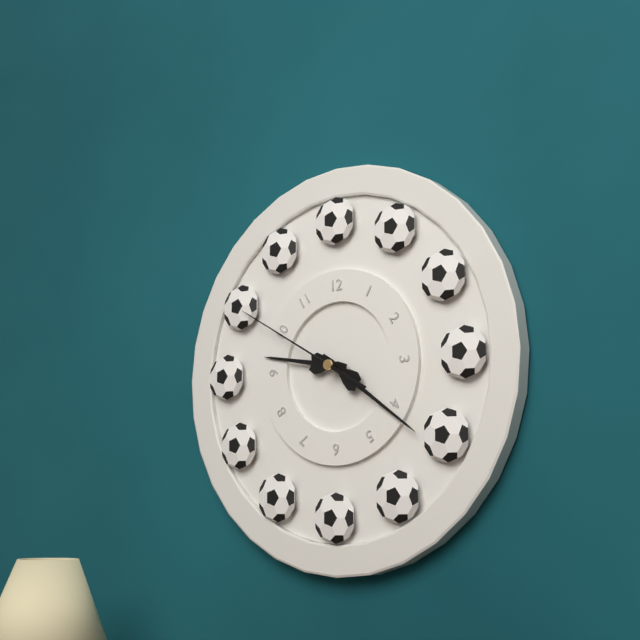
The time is 9 h 21 min 50 s
